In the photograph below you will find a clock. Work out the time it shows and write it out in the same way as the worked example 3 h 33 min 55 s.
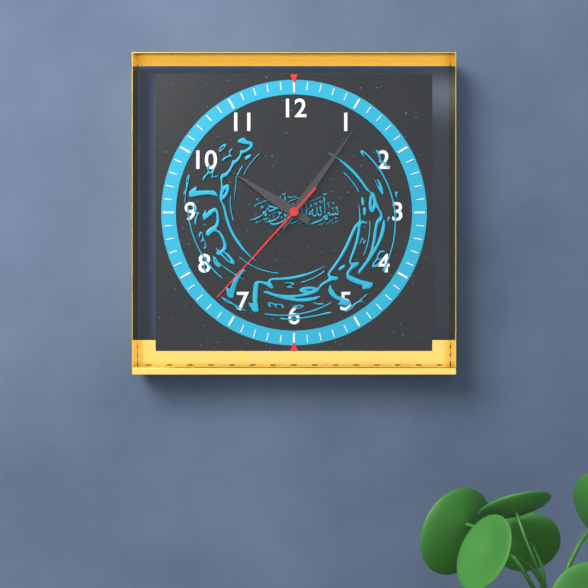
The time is 10 h 06 min 37 s
